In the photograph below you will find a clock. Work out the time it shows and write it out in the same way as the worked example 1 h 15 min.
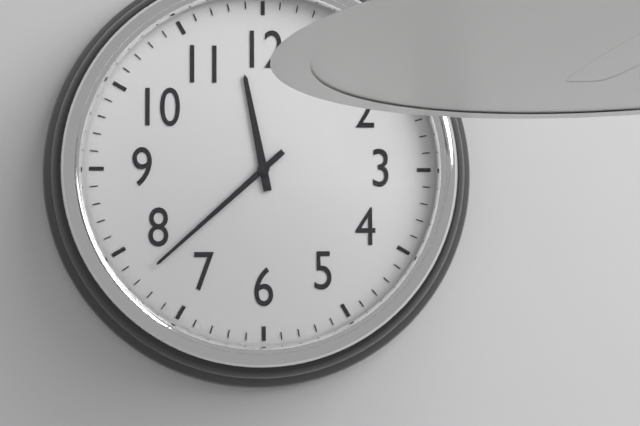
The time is 11 h 38 min
